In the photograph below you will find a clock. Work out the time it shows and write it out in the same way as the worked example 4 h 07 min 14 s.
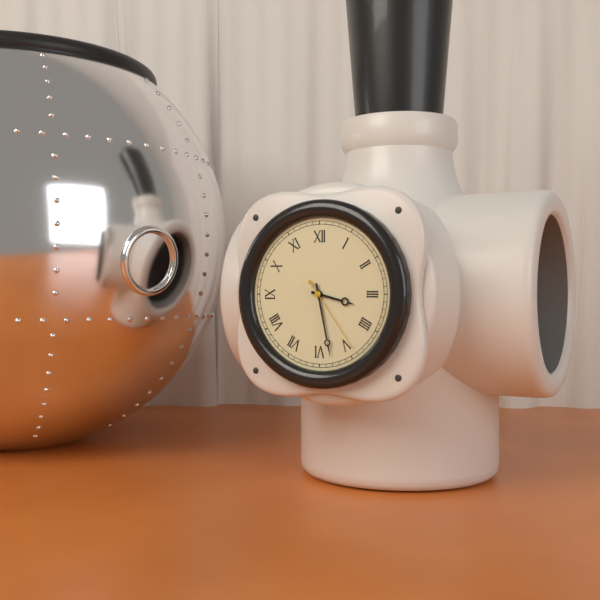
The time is 3 h 28 min 24 s
